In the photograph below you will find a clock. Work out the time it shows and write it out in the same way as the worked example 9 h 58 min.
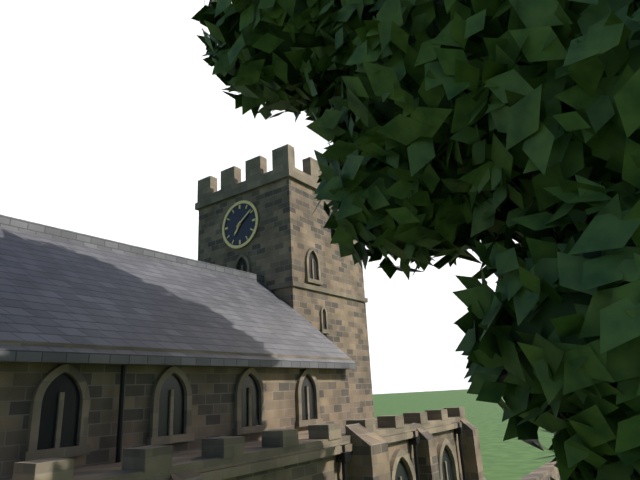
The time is 7 h 09 min
